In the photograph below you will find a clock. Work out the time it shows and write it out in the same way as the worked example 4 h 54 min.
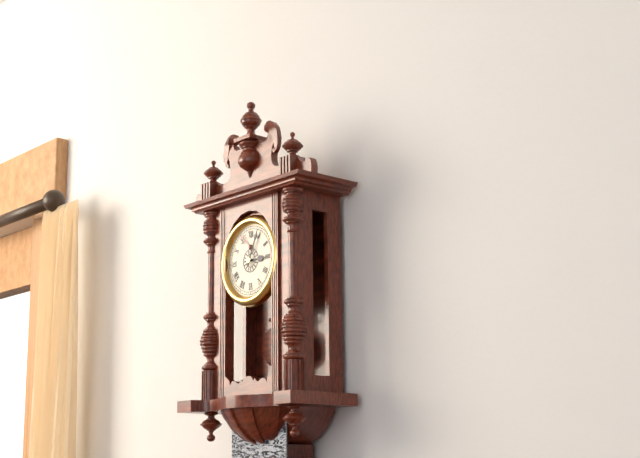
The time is 3 h 04 min
